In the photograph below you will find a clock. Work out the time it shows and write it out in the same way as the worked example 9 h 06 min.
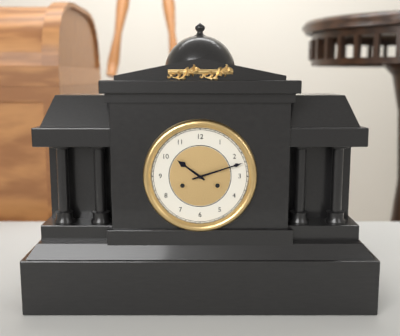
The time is 10 h 12 min
